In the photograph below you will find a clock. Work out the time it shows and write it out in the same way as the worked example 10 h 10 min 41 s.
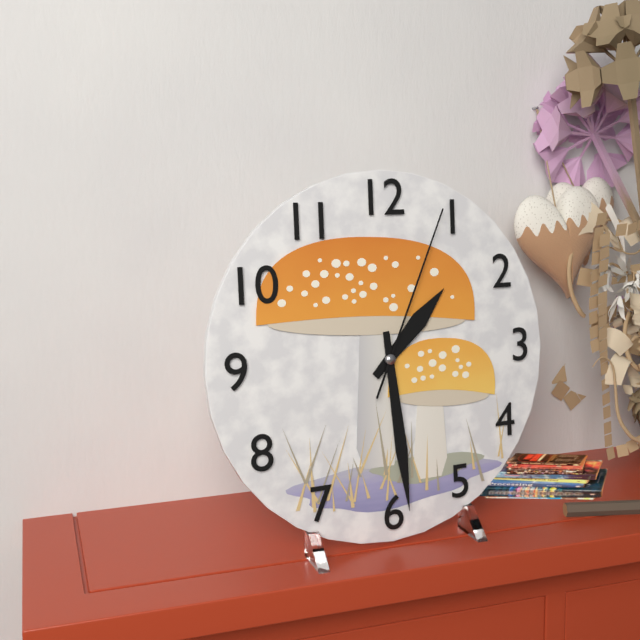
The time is 1 h 29 min 04 s
